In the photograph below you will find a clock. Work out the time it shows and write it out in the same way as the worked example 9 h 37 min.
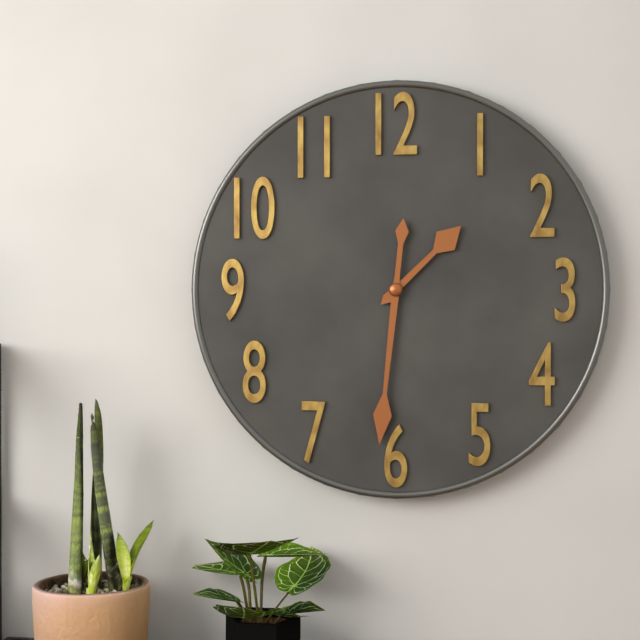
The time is 1 h 31 min
